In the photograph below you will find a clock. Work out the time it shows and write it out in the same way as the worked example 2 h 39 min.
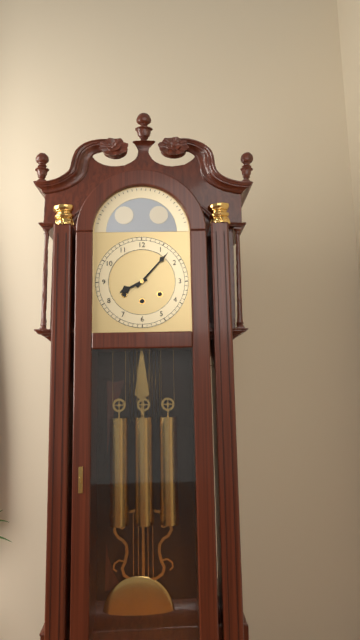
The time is 8 h 07 min
